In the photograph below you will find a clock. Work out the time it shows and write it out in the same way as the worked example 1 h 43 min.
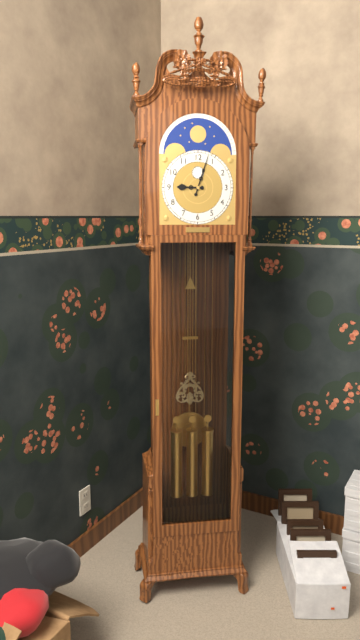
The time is 9 h 03 min
